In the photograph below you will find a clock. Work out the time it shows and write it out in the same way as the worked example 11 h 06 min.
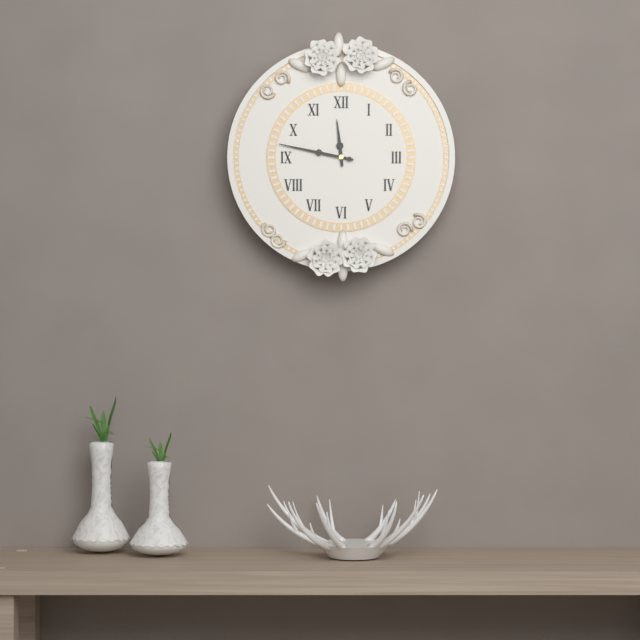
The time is 11 h 47 min
